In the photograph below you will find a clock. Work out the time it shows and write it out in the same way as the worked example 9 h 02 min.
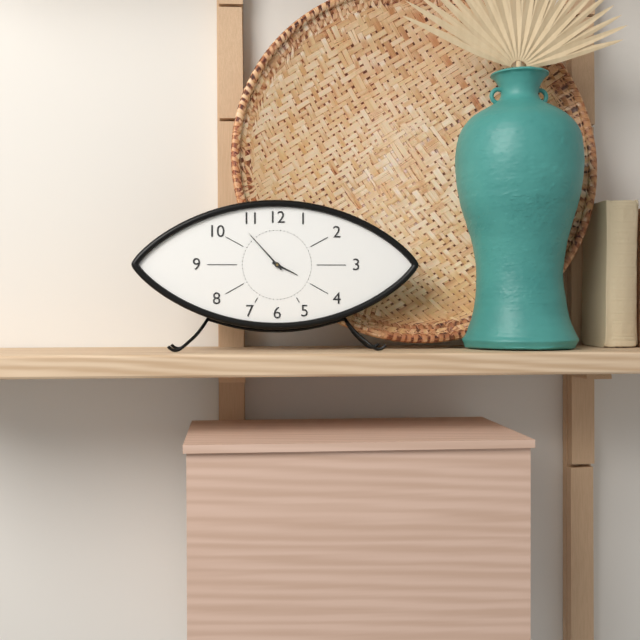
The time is 3 h 53 min
